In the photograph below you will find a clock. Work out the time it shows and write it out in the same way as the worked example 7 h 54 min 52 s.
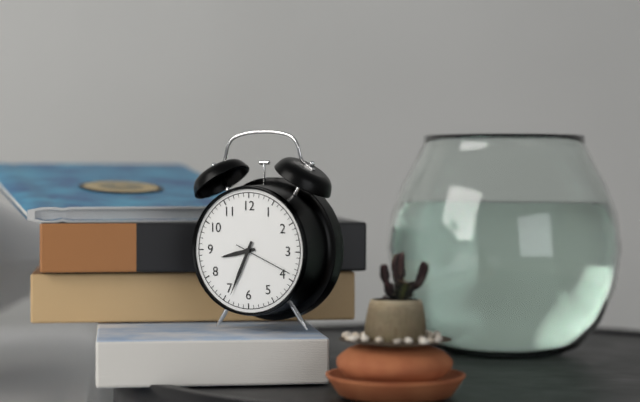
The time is 8 h 34 min 19 s
